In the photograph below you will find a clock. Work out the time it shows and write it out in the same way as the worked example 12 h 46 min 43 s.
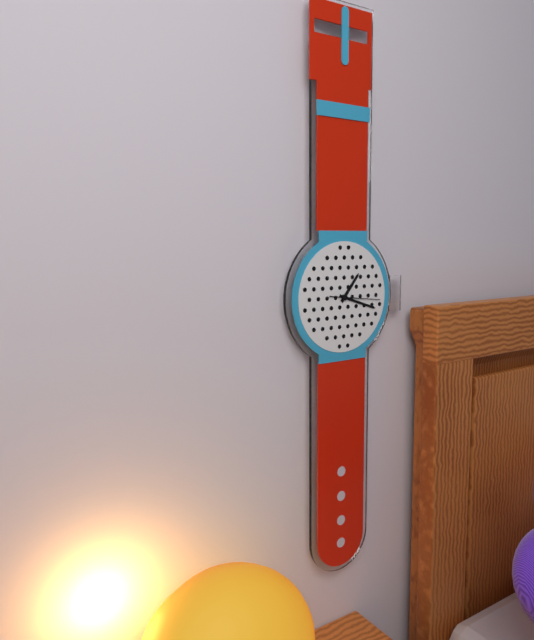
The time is 1 h 18 min 16 s
